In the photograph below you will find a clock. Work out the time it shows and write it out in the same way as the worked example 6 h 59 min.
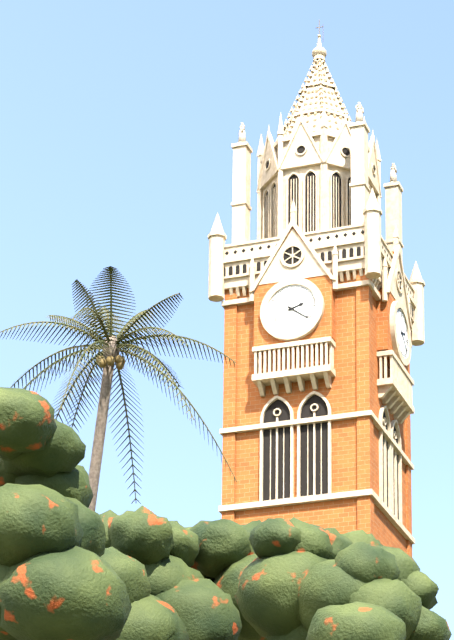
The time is 2 h 21 min
